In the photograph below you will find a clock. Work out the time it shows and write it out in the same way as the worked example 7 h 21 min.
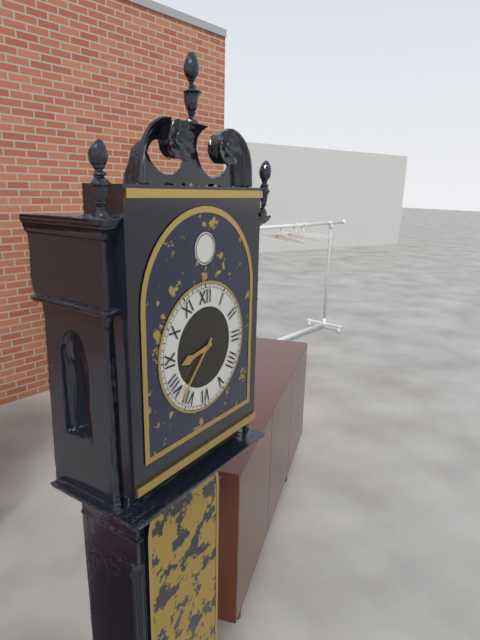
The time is 8 h 37 min
